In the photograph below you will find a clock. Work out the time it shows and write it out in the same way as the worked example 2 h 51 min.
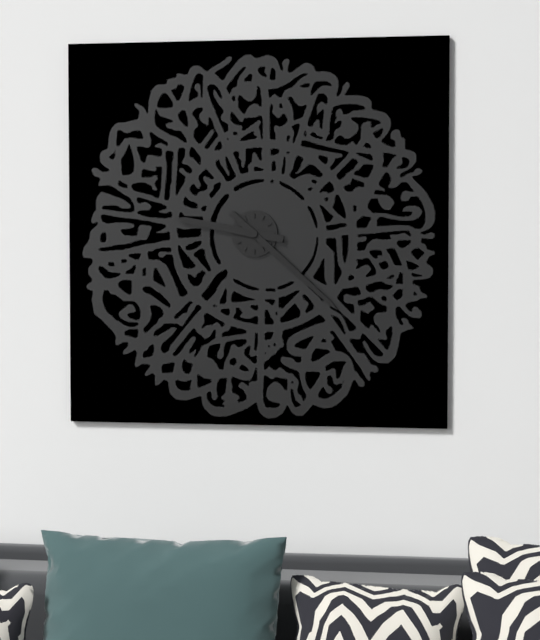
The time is 9 h 22 min
